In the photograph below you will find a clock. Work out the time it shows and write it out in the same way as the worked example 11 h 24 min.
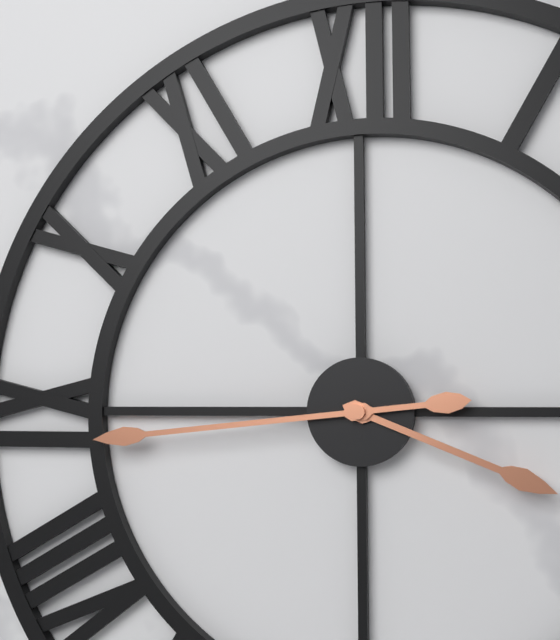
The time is 3 h 44 min
